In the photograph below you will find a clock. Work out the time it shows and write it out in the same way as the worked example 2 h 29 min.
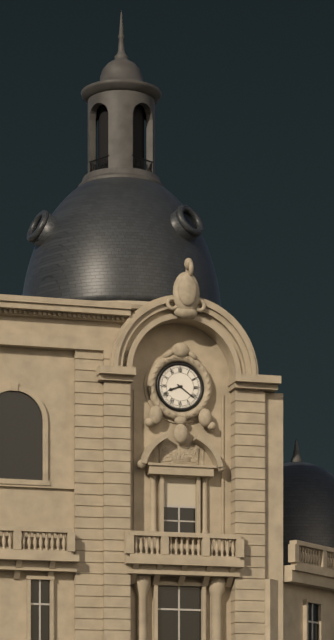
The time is 8 h 21 min
